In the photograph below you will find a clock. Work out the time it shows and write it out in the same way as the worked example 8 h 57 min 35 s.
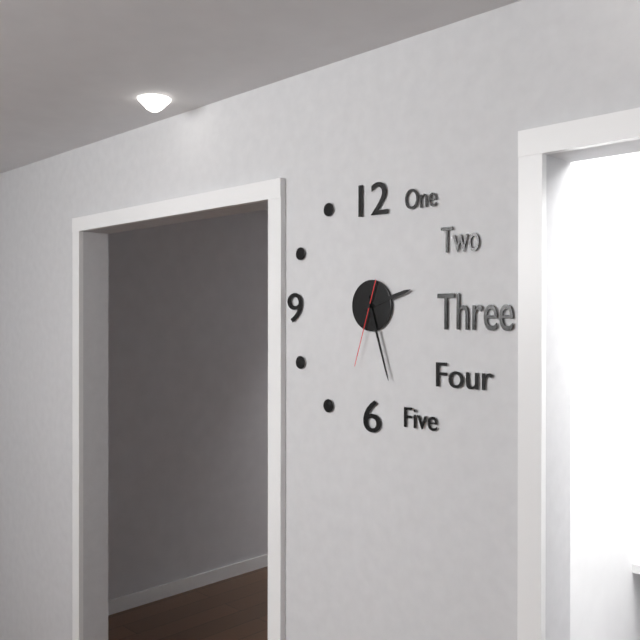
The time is 2 h 27 min 33 s
